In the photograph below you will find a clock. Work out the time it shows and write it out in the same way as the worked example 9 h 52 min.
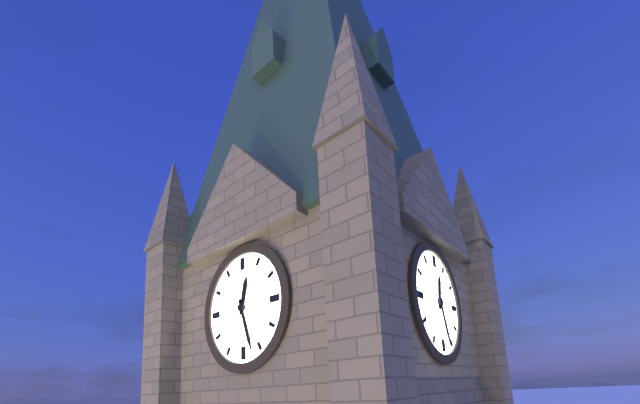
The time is 12 h 27 min
